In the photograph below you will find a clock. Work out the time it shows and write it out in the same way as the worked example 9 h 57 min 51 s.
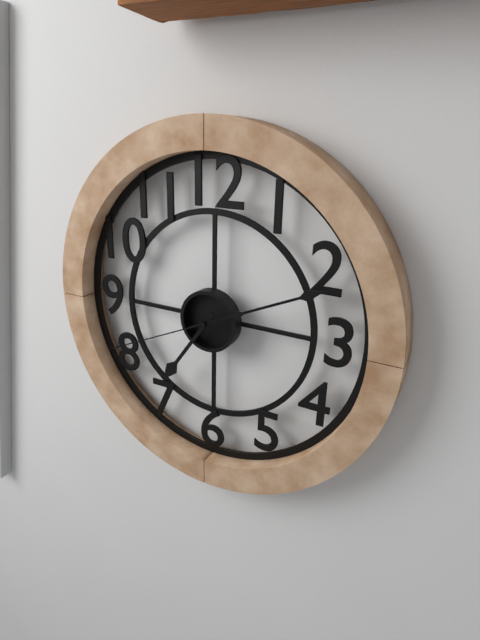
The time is 7 h 11 min 41 s
